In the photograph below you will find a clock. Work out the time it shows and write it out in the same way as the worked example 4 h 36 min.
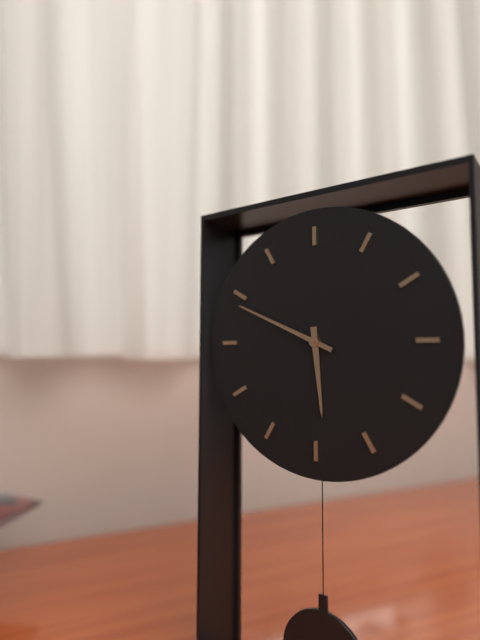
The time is 5 h 49 min
